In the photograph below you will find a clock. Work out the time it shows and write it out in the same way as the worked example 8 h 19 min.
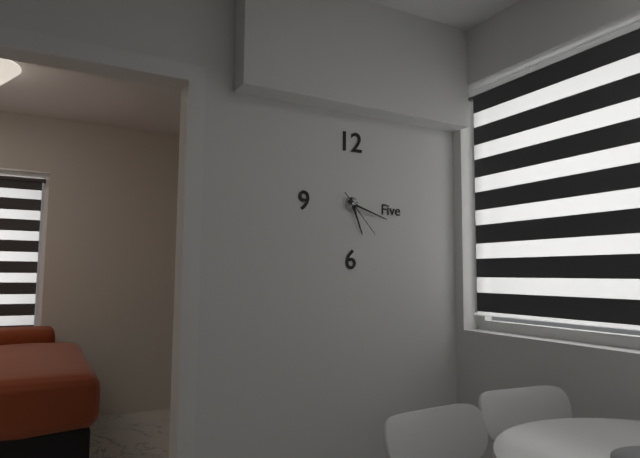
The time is 5 h 18 min
